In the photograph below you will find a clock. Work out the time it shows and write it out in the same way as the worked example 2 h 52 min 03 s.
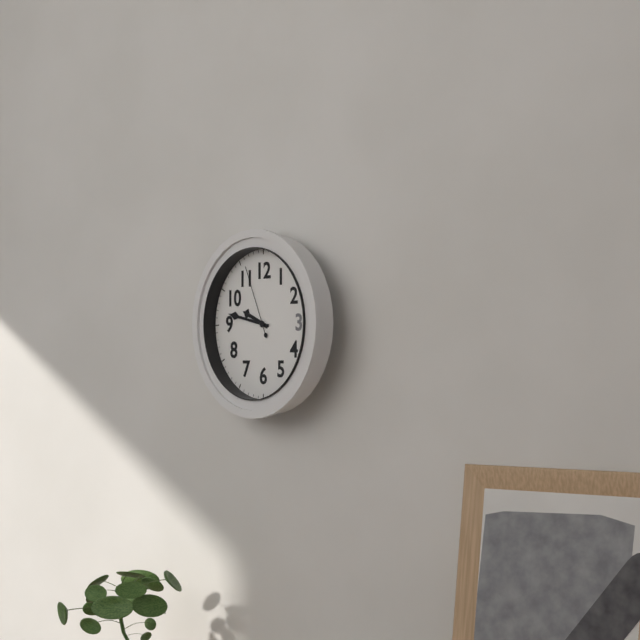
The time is 9 h 47 min 56 s
